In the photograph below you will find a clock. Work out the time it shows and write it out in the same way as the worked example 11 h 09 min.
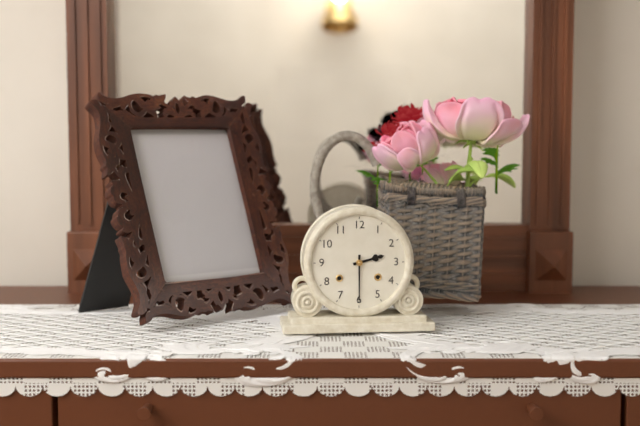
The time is 2 h 30 min
